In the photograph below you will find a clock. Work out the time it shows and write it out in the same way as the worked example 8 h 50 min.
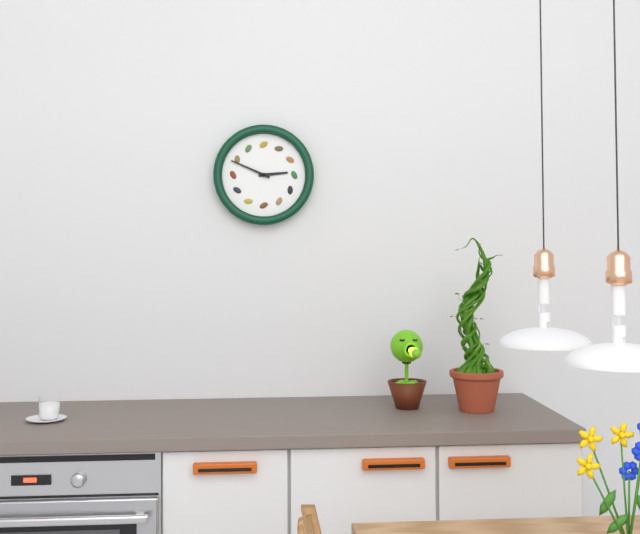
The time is 2 h 49 min
